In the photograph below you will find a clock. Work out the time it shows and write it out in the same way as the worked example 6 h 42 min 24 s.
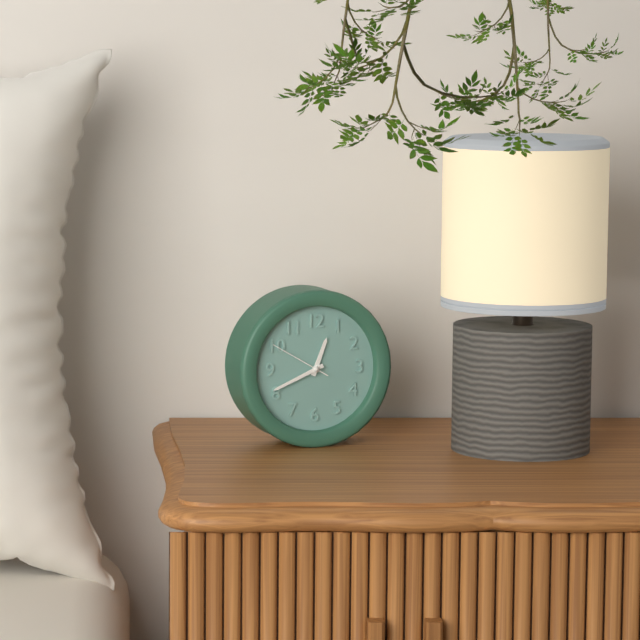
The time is 12 h 41 min 50 s
